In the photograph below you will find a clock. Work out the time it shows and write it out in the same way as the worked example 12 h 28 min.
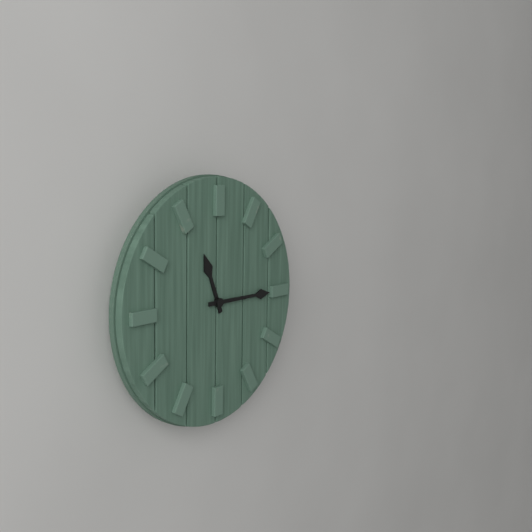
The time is 11 h 15 min
